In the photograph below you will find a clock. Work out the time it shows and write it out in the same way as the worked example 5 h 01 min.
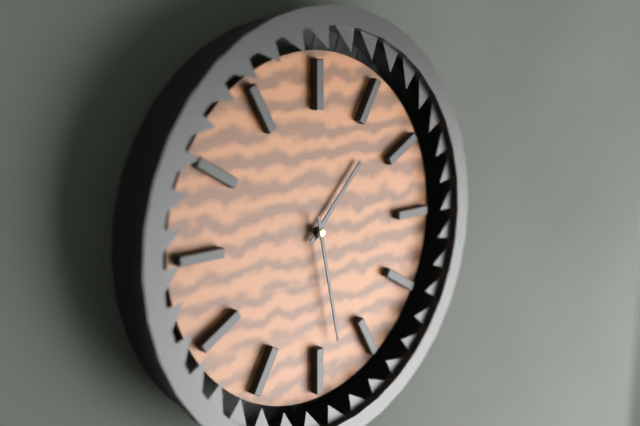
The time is 1 h 28 min
